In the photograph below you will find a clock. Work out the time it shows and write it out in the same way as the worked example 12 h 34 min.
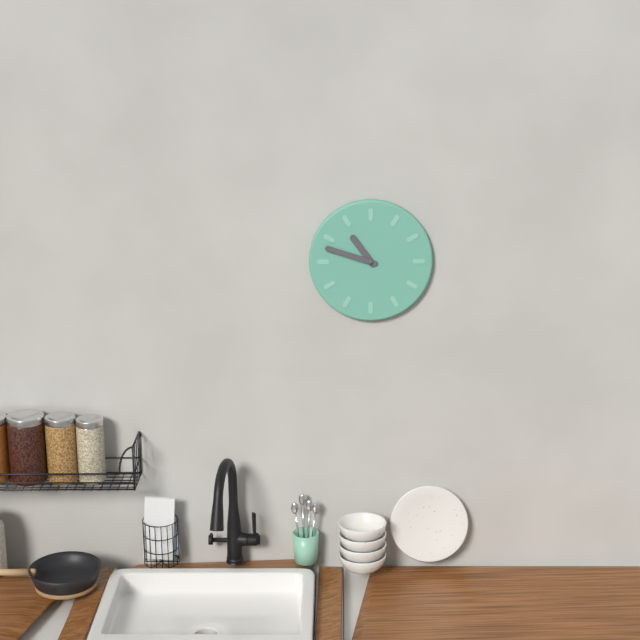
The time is 10 h 48 min
